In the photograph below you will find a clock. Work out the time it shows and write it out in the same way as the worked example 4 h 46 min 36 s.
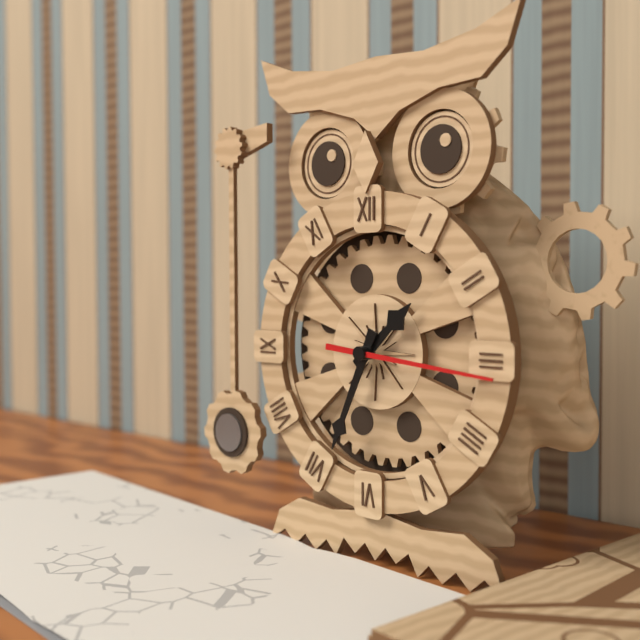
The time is 1 h 34 min 16 s
